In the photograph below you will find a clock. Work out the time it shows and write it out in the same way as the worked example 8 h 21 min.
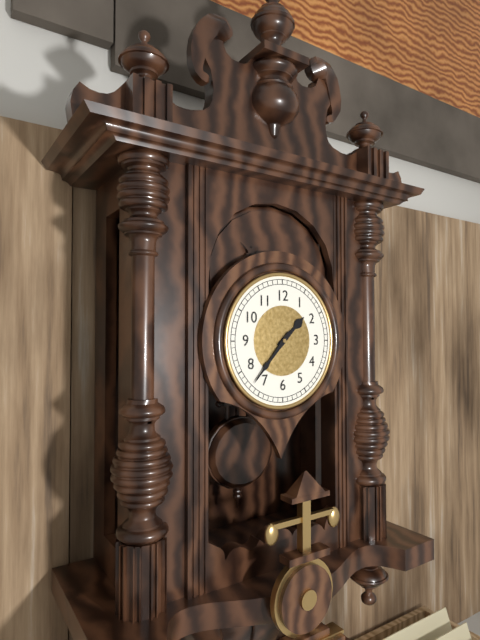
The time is 1 h 37 min
